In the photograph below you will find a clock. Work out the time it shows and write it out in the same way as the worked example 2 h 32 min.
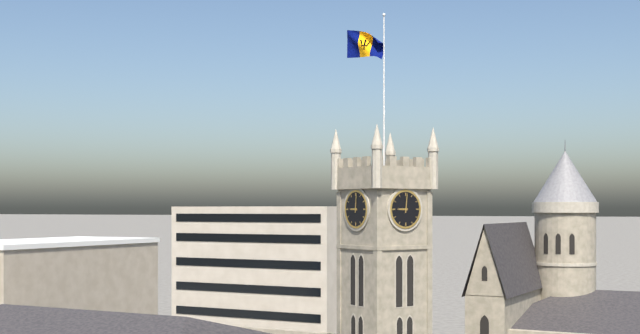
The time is 9 h 01 min
